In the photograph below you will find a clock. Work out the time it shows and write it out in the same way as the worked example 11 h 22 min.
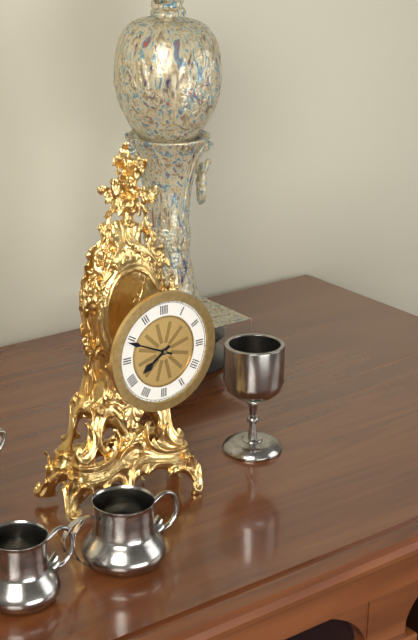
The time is 7 h 49 min
